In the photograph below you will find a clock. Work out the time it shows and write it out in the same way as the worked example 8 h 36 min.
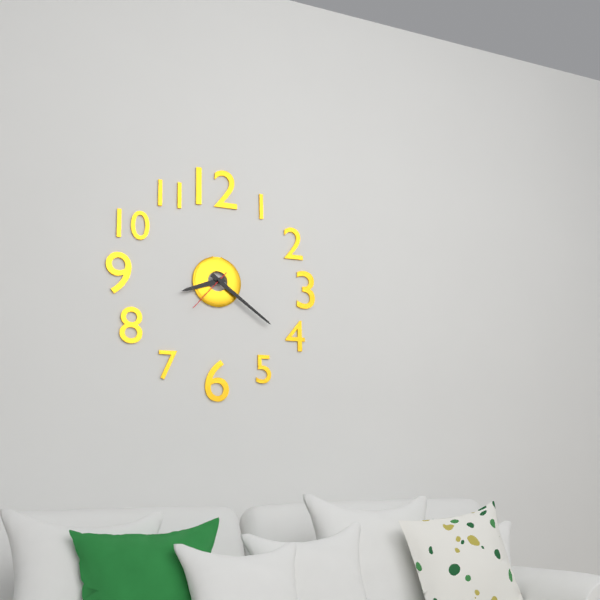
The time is 8 h 21 min
